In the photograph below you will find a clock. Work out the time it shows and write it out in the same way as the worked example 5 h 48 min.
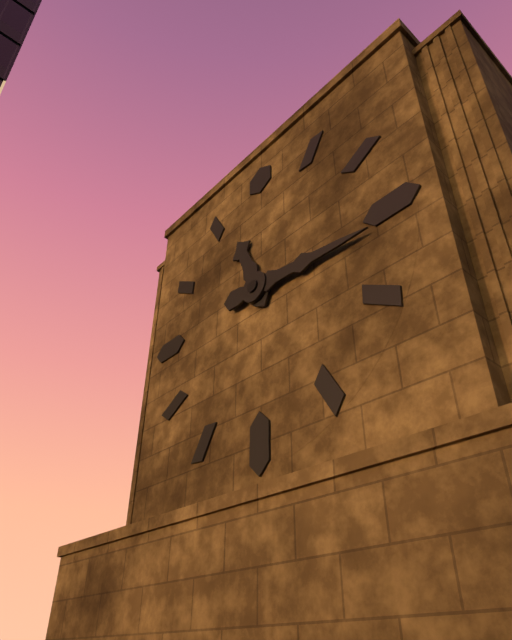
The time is 11 h 16 min
